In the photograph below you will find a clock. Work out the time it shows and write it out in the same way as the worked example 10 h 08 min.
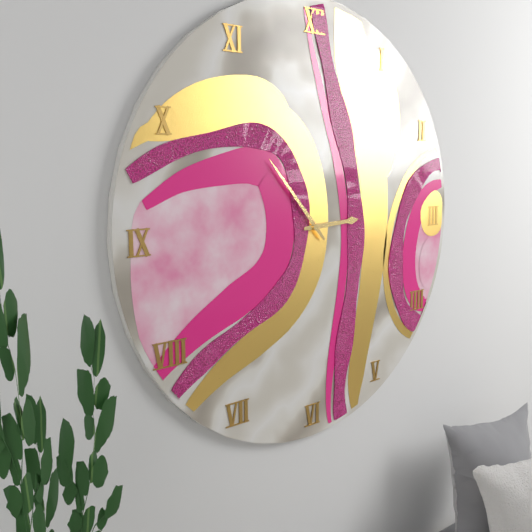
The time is 2 h 53 min
